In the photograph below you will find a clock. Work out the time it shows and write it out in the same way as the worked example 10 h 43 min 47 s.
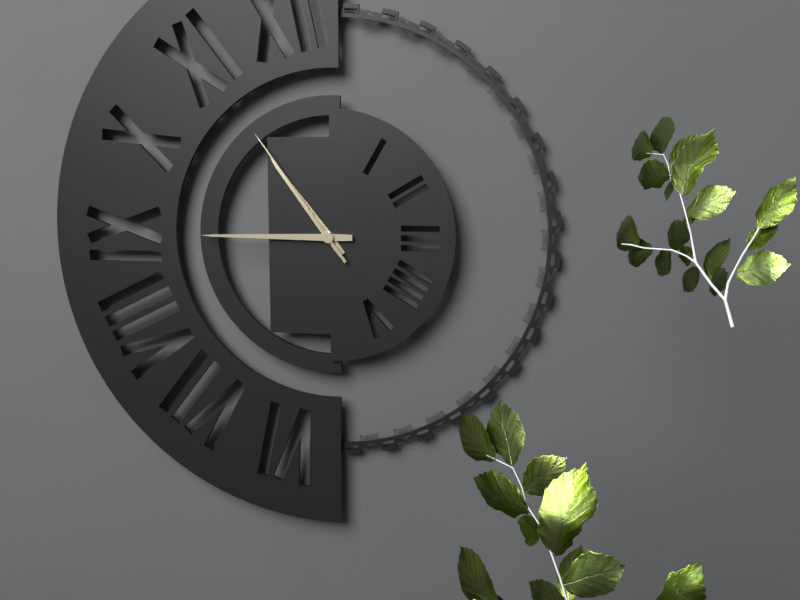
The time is 10 h 45 min 54 s
